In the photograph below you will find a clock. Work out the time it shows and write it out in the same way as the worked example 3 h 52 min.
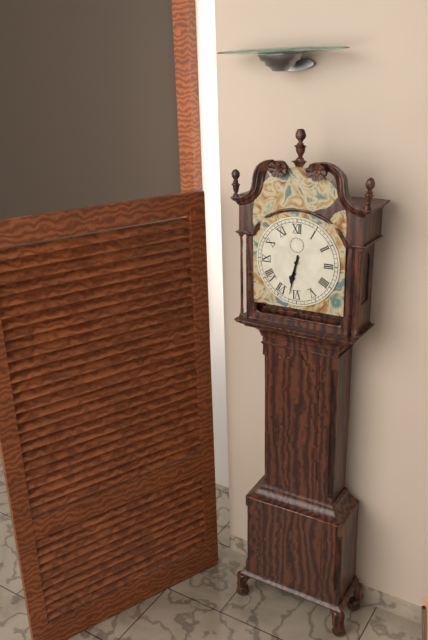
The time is 6 h 32 min
